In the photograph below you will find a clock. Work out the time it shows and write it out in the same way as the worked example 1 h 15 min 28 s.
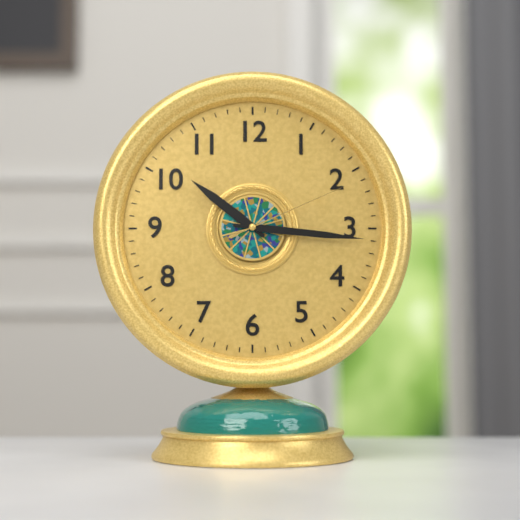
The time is 10 h 16 min 11 s
